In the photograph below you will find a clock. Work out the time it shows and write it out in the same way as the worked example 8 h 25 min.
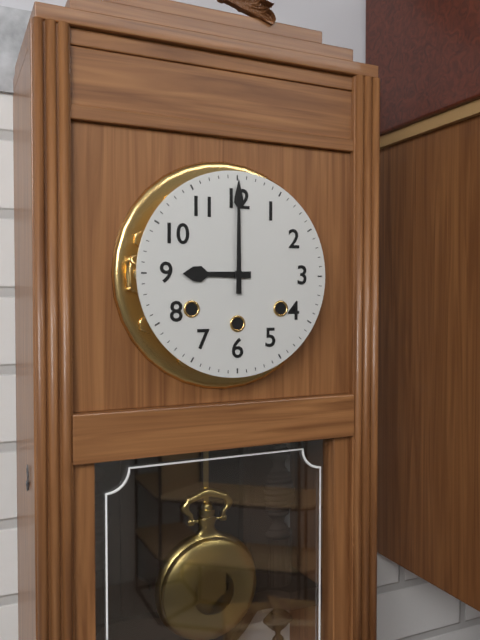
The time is 9 h 00 min
